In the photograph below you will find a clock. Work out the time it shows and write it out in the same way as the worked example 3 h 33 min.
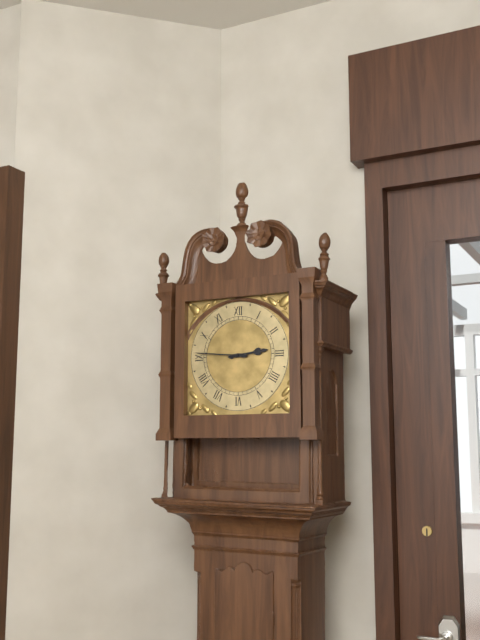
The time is 2 h 46 min
